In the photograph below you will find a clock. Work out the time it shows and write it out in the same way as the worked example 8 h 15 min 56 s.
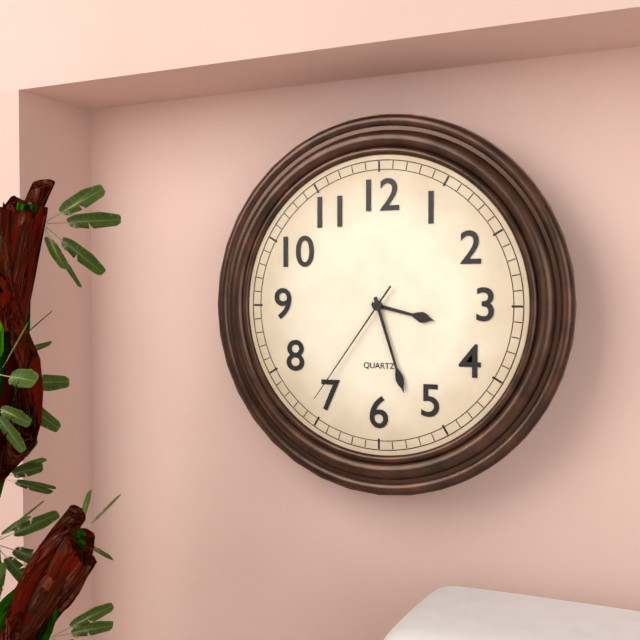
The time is 3 h 27 min 36 s
